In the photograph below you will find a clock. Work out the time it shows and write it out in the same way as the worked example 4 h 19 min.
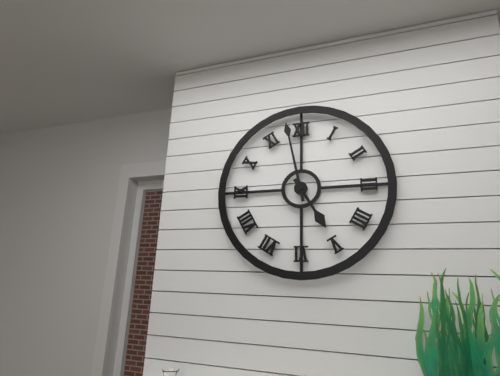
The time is 4 h 58 min
